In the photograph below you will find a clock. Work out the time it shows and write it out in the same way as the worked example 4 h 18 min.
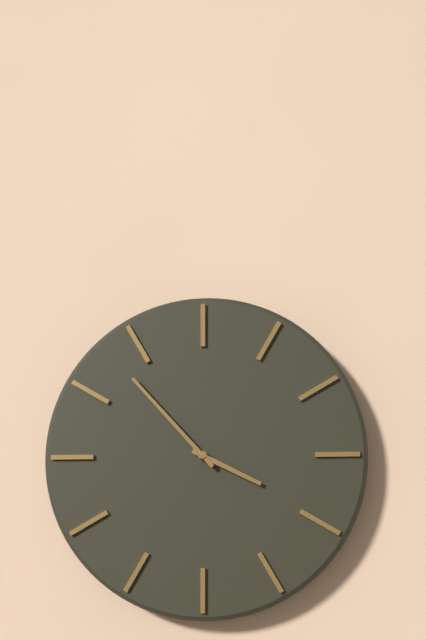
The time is 3 h 53 min
